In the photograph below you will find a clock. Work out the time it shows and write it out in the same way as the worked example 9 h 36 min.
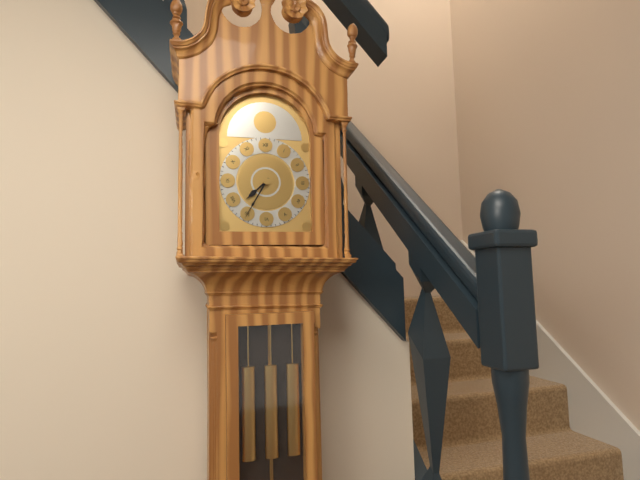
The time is 7 h 35 min
